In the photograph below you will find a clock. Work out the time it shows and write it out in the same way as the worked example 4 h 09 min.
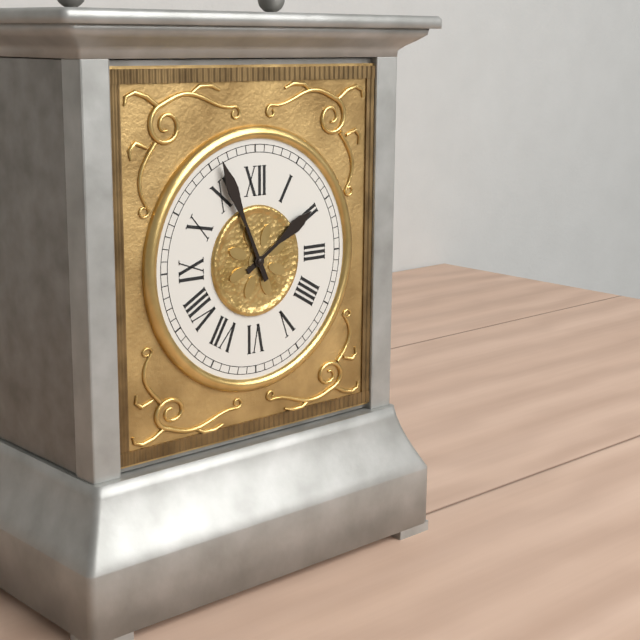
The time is 1 h 56 min
